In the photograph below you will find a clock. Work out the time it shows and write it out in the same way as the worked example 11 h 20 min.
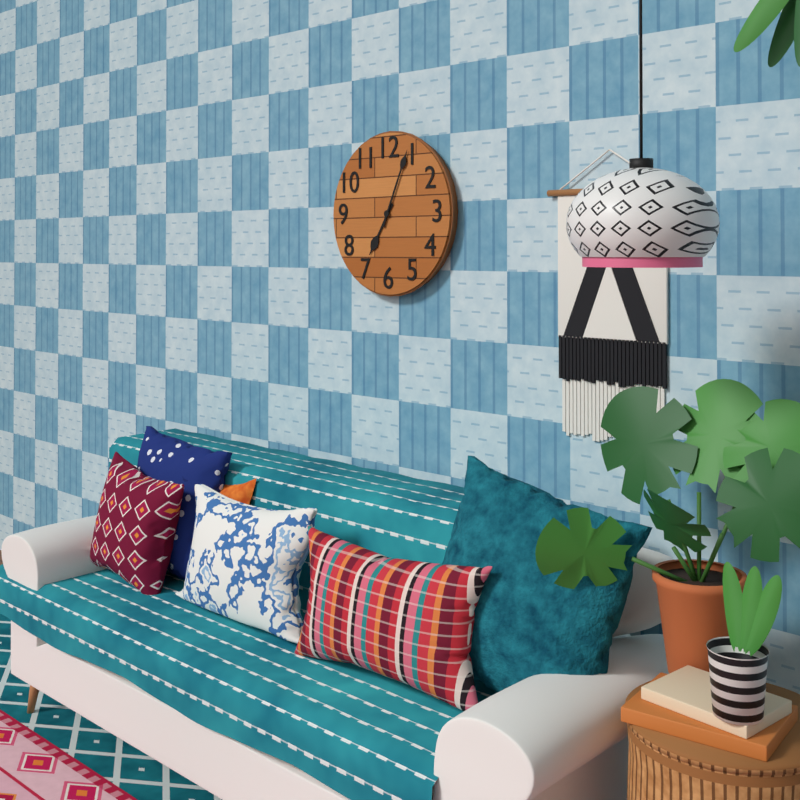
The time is 7 h 04 min
